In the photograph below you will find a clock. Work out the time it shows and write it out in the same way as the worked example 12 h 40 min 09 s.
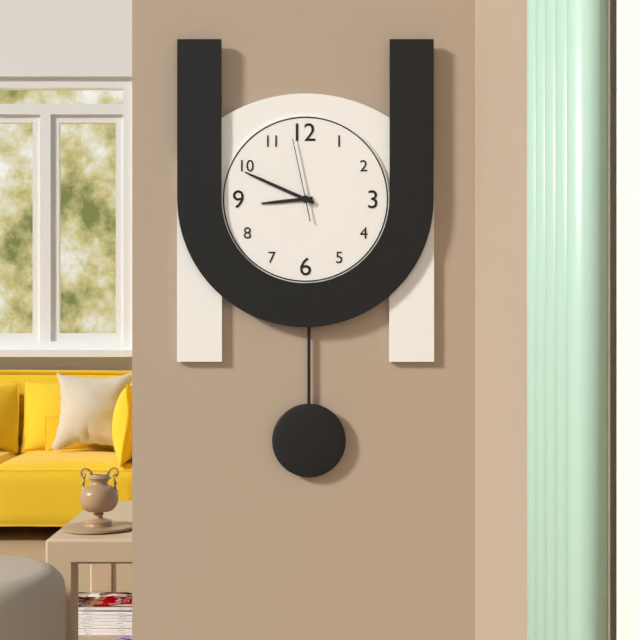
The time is 8 h 49 min 58 s
